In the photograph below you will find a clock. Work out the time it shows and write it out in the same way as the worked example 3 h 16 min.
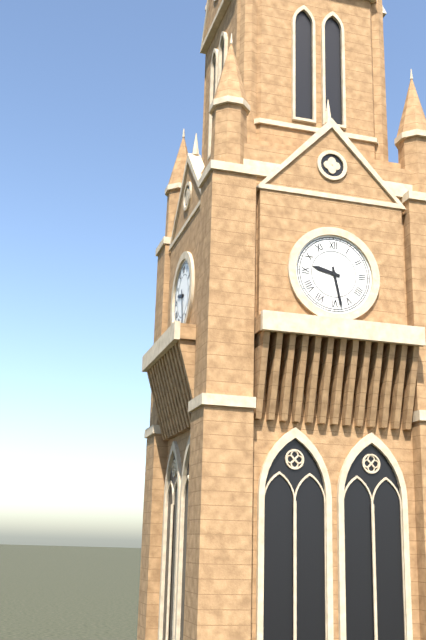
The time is 9 h 28 min
